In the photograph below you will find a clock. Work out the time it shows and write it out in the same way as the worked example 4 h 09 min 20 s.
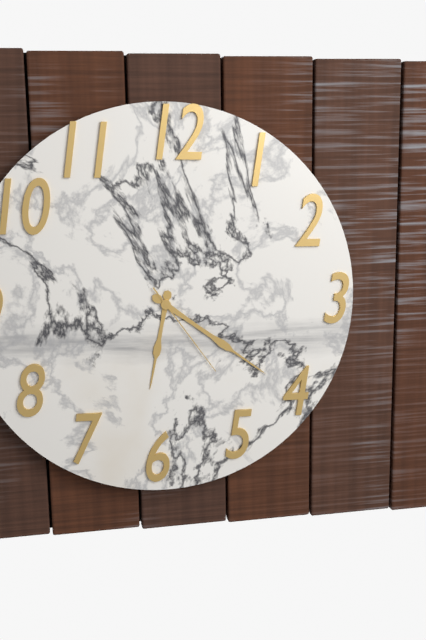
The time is 6 h 21 min 24 s
